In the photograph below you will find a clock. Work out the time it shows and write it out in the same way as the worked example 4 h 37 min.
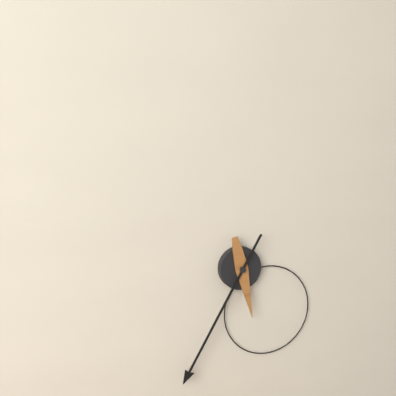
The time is 5 h 35 min
